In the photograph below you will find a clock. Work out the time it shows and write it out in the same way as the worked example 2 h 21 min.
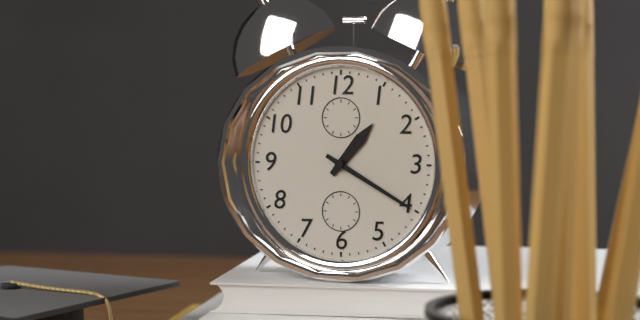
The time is 1 h 20 min
